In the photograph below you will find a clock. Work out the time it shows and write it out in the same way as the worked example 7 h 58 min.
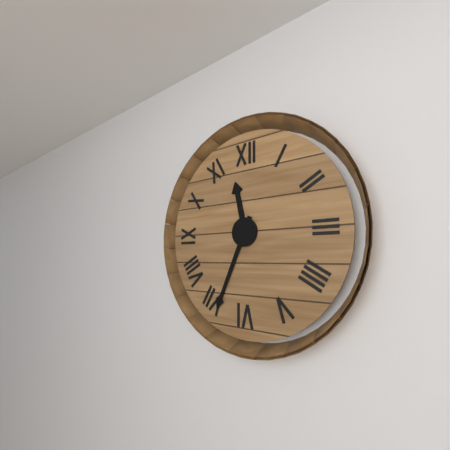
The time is 11 h 34 min
